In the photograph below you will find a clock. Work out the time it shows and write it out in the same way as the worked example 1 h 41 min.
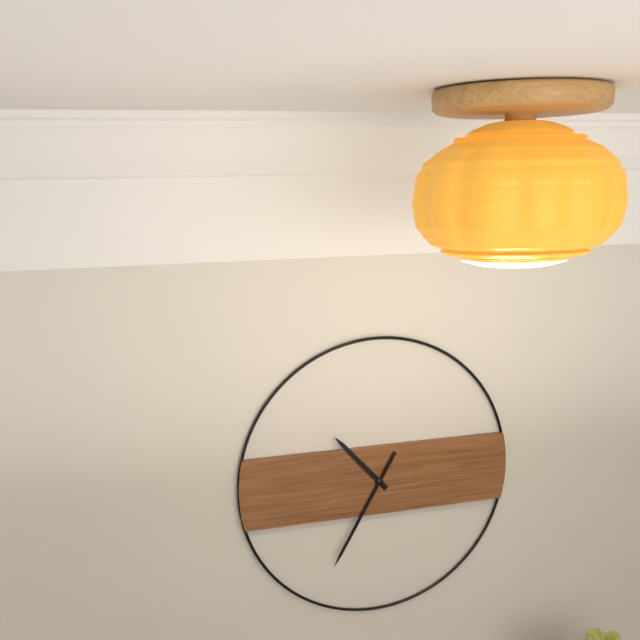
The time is 10 h 35 min
